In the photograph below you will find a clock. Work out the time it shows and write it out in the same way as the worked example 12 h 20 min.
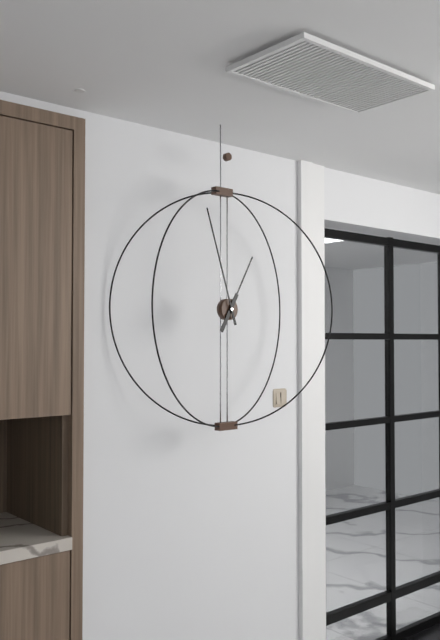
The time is 12 h 57 min
